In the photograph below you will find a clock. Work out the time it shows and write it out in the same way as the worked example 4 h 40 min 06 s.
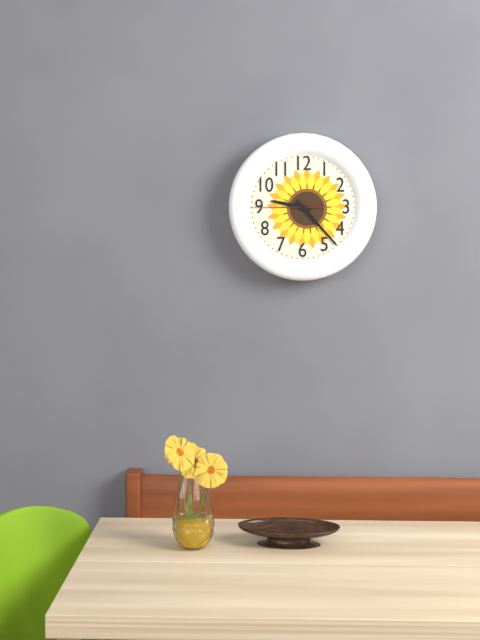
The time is 9 h 23 min 45 s
